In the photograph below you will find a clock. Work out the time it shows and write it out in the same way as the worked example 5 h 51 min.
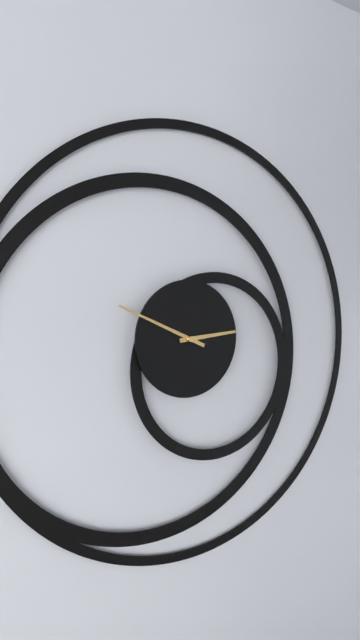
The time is 2 h 49 min
